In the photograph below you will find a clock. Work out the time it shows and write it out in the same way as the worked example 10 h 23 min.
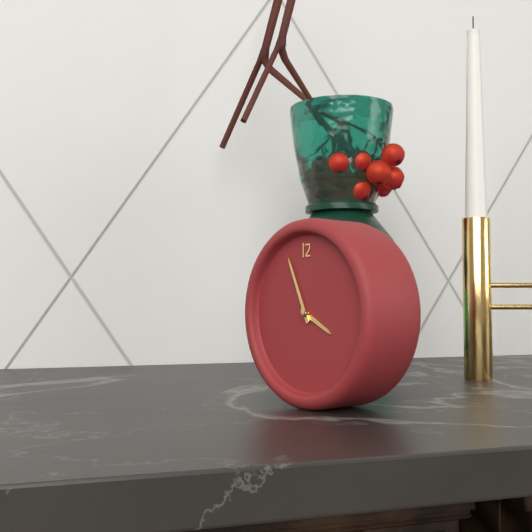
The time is 3 h 56 min
